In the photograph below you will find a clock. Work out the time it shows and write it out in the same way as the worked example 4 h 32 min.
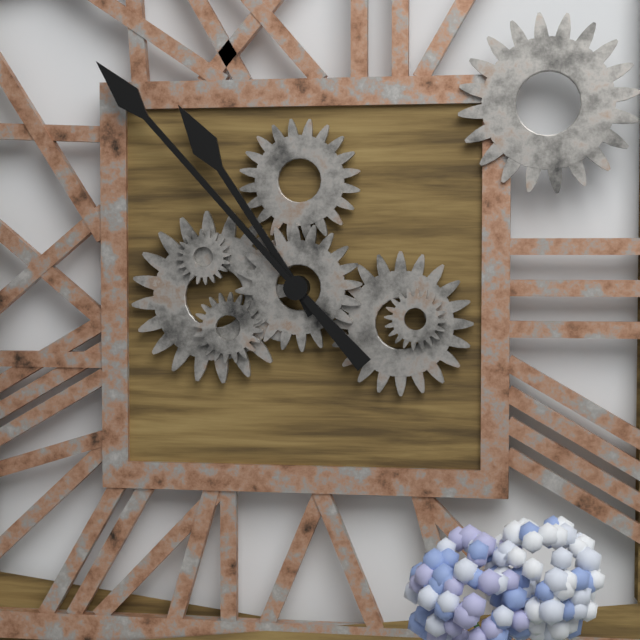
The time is 10 h 53 min
